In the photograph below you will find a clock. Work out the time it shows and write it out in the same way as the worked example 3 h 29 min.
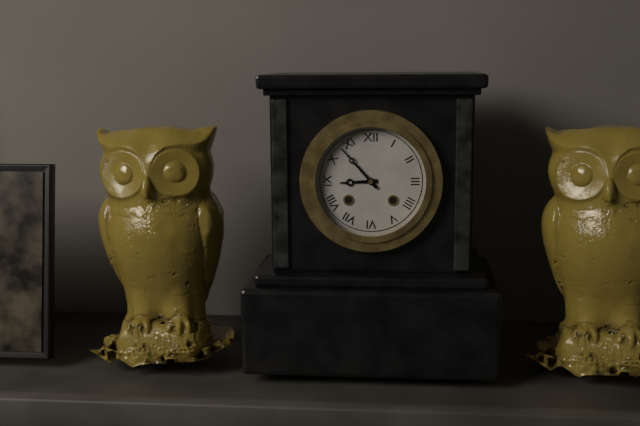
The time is 8 h 53 min
